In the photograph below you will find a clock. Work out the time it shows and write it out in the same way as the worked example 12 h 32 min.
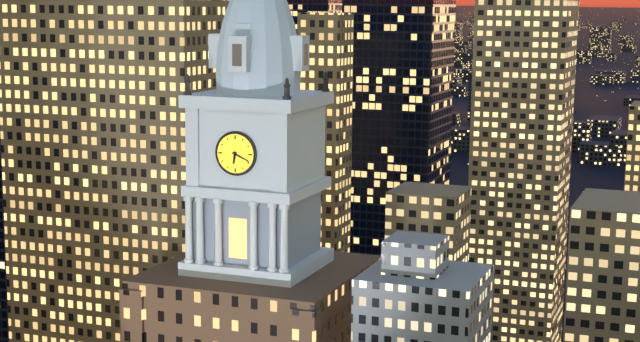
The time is 6 h 19 min
